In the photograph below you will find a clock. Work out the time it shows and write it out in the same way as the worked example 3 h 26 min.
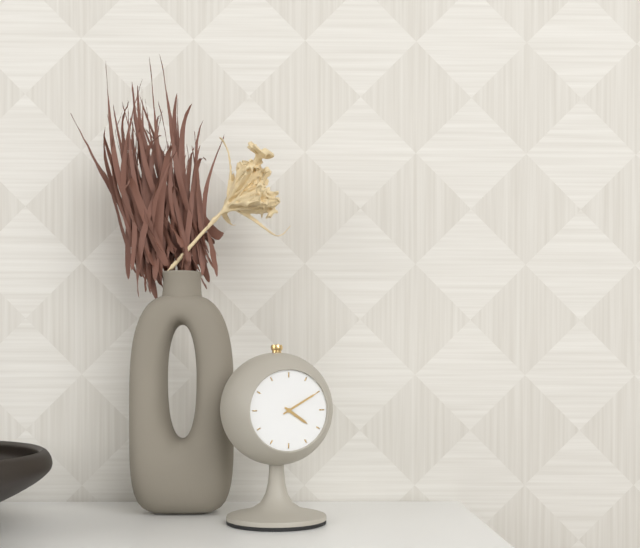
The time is 4 h 10 min
